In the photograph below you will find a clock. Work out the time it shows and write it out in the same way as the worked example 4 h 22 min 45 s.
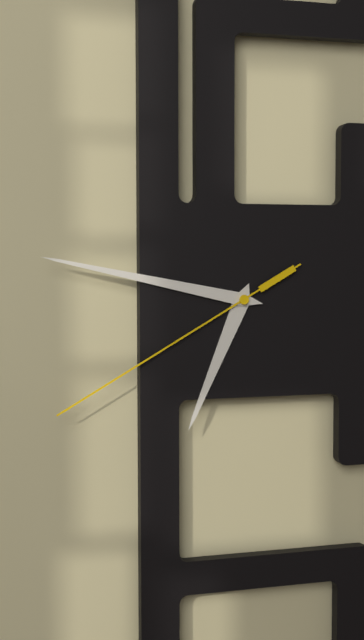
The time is 6 h 47 min 40 s
